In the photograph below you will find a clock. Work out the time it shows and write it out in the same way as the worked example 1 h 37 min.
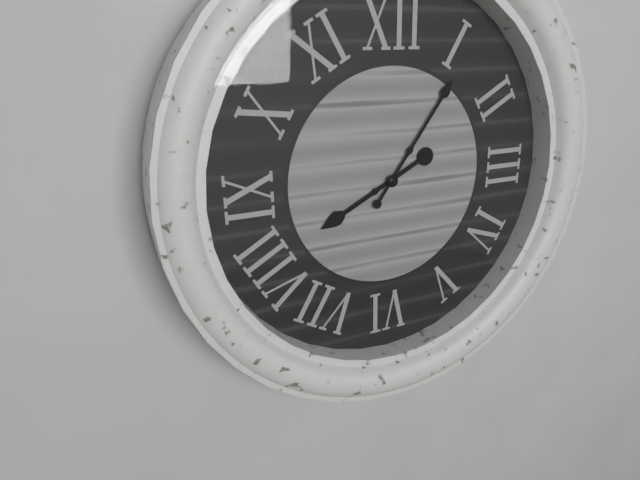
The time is 8 h 06 min
